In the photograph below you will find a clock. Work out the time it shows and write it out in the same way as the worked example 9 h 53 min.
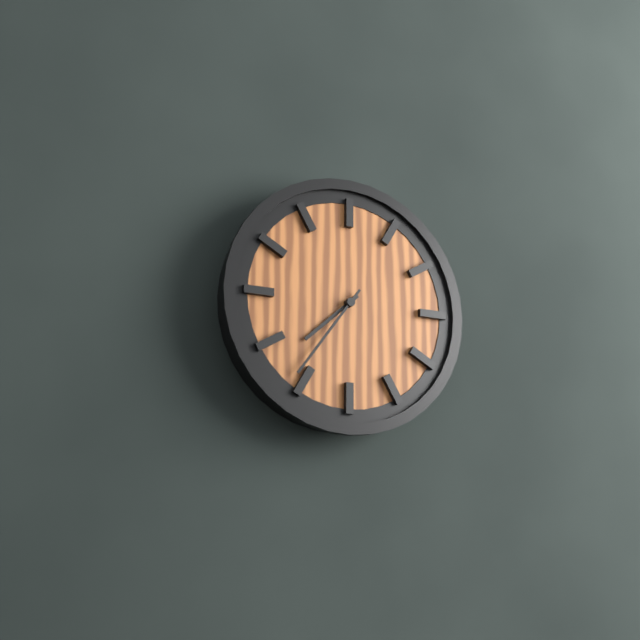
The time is 7 h 36 min
